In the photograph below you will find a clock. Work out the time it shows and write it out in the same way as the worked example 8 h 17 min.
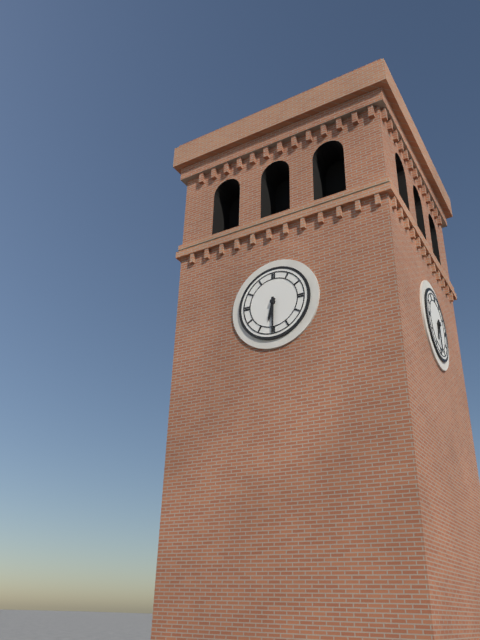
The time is 6 h 30 min
